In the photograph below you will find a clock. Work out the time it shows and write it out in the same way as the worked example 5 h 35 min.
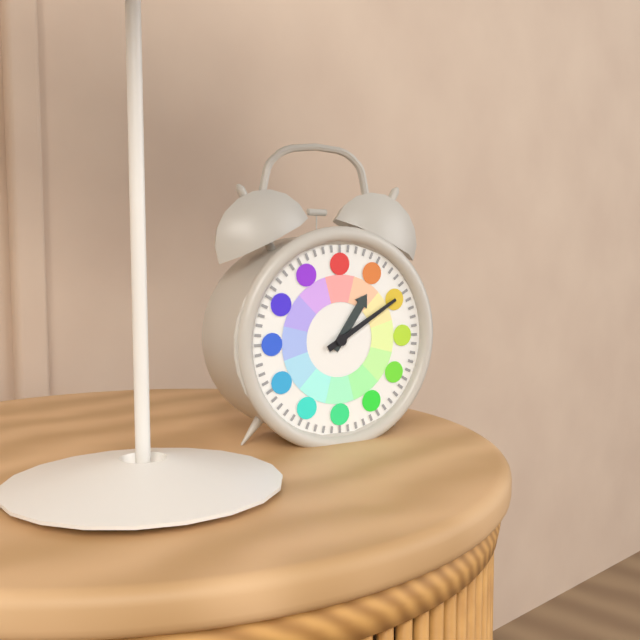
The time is 1 h 10 min
